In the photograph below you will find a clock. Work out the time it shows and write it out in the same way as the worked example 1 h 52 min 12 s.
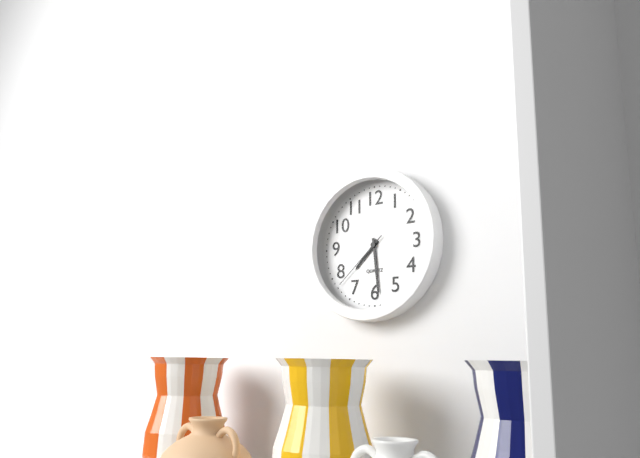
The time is 7 h 29 min 38 s
